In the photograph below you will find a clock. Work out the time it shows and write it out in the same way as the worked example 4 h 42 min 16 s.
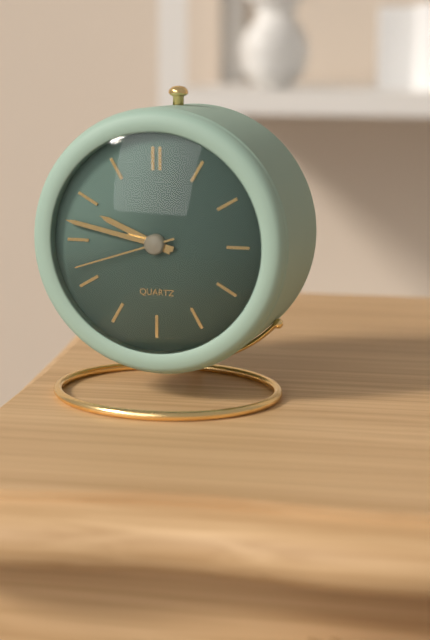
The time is 9 h 47 min 42 s
